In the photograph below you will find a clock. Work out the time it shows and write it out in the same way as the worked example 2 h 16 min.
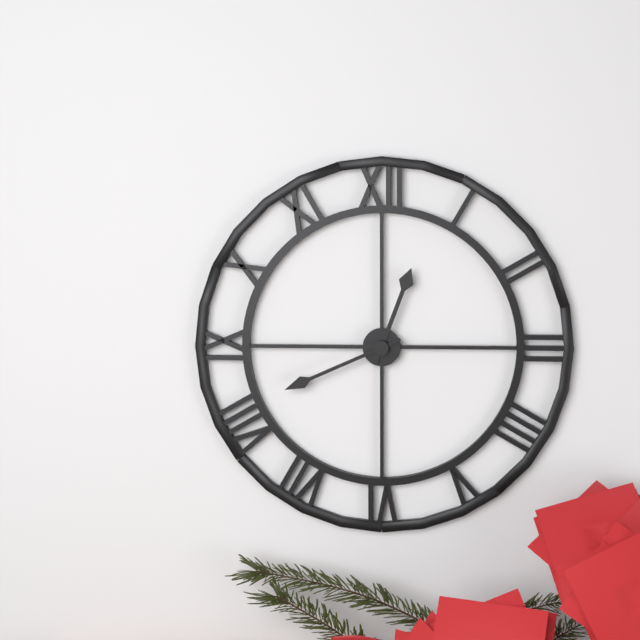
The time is 12 h 41 min
